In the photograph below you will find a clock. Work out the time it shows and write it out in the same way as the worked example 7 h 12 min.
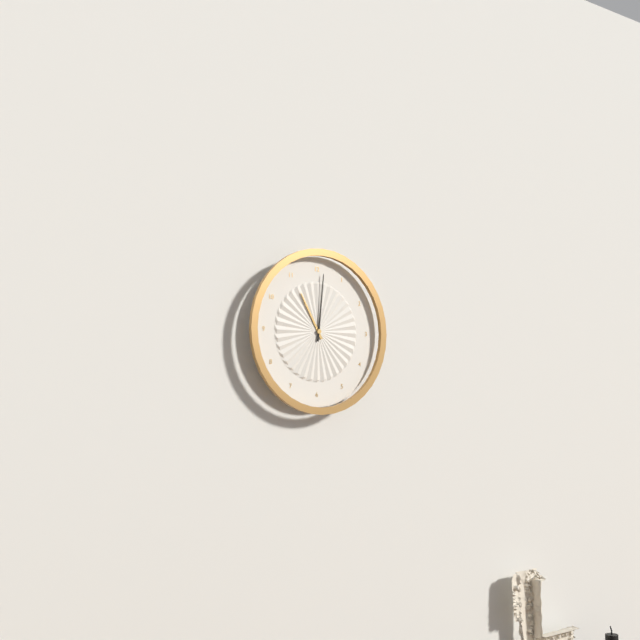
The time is 11 h 01 min
